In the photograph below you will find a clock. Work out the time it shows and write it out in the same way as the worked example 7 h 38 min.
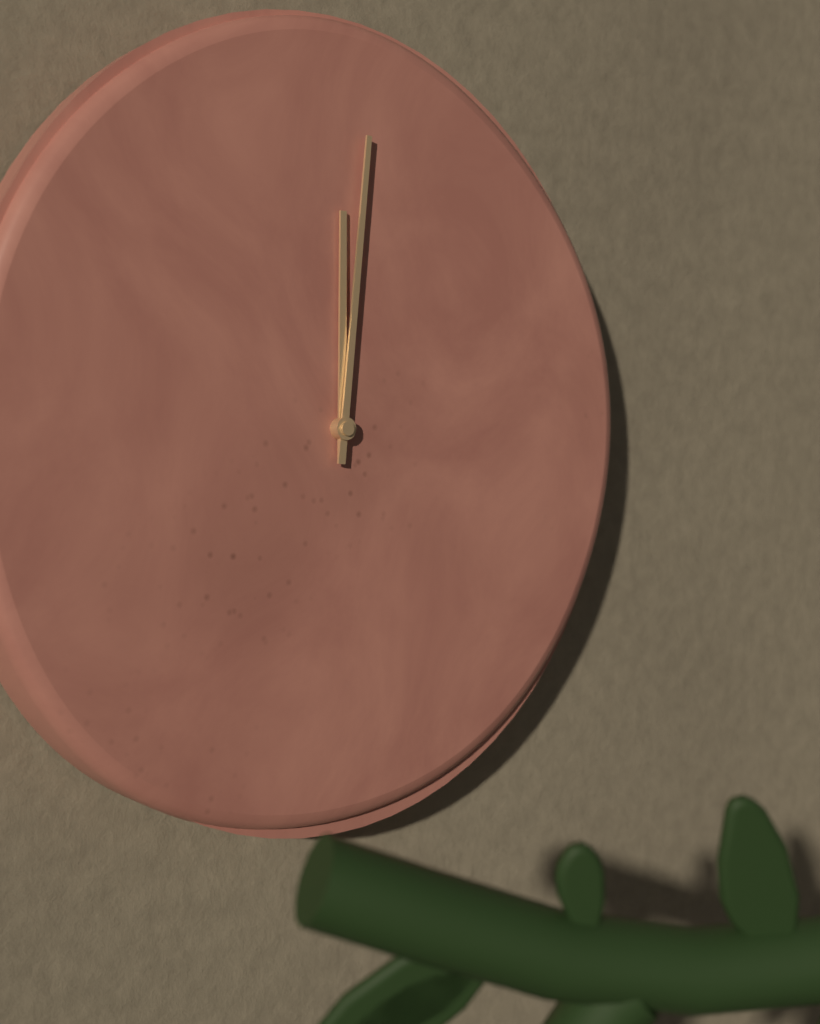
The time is 12 h 01 min
